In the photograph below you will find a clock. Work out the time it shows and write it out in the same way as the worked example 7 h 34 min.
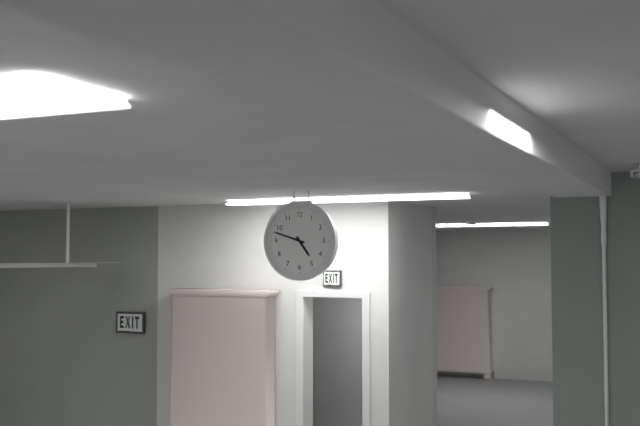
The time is 4 h 48 min
